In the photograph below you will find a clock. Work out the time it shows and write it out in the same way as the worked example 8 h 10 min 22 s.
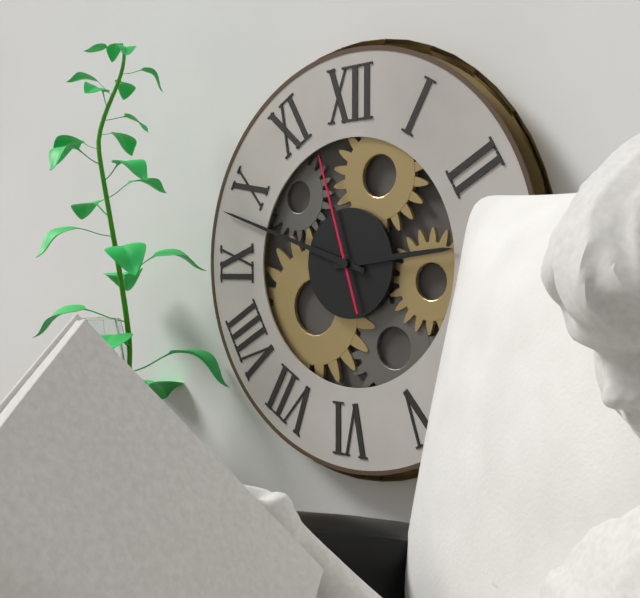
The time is 2 h 48 min 57 s
